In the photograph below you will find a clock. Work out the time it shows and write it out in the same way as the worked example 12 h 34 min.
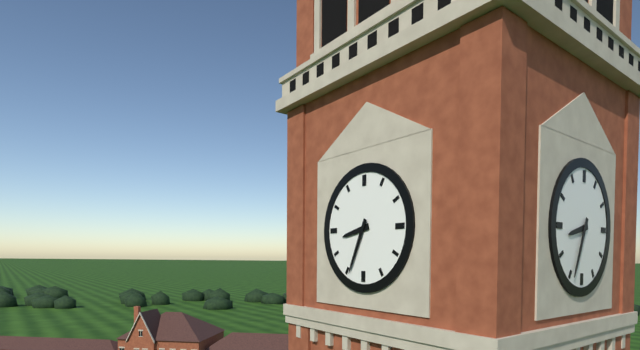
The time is 8 h 34 min
